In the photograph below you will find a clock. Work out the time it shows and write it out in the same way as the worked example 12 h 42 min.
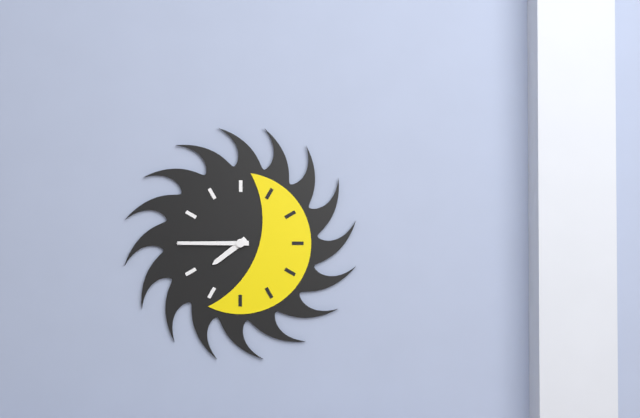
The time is 7 h 45 min
